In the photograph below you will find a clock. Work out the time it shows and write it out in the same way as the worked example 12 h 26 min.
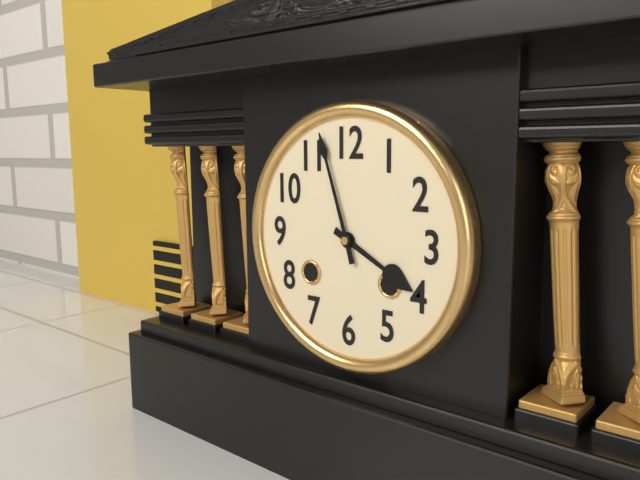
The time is 3 h 57 min
